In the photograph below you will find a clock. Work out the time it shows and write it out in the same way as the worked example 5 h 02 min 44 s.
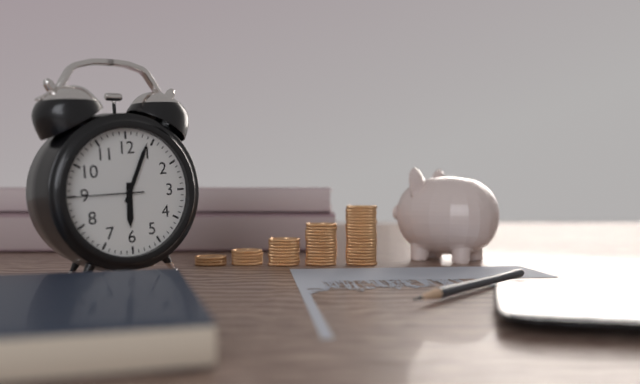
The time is 6 h 04 min 45 s
